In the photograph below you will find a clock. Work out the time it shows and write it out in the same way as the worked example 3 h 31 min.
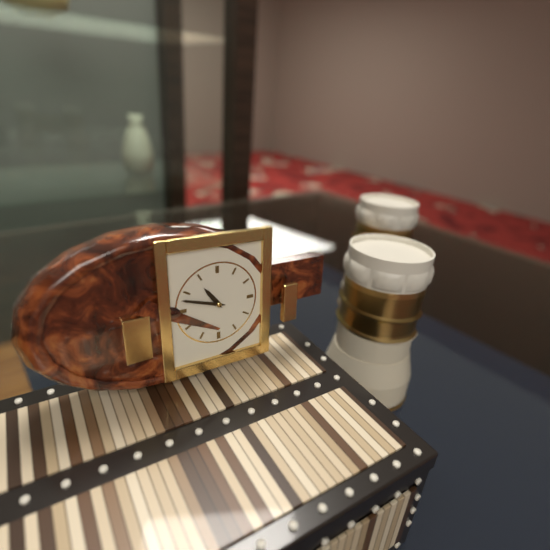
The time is 10 h 48 min
